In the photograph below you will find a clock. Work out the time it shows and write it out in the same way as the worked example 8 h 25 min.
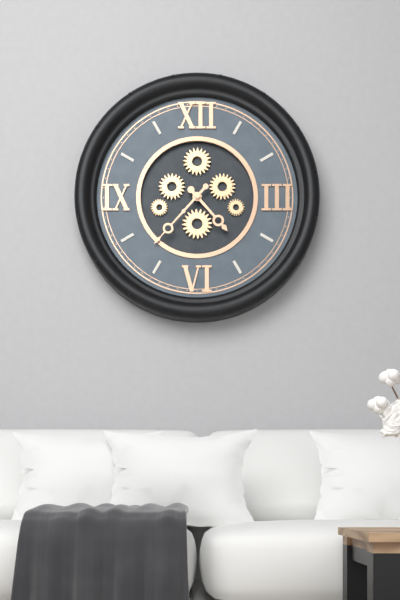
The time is 4 h 37 min
